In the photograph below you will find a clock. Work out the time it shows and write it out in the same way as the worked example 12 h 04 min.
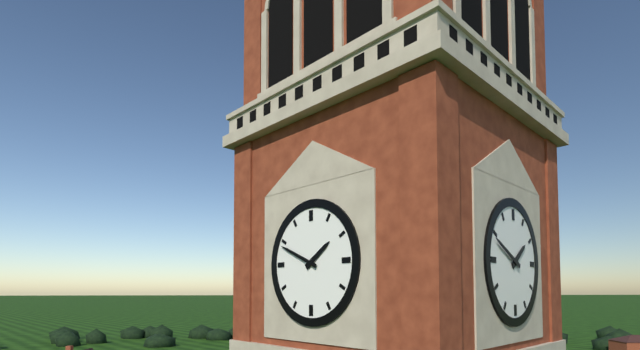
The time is 1 h 49 min
